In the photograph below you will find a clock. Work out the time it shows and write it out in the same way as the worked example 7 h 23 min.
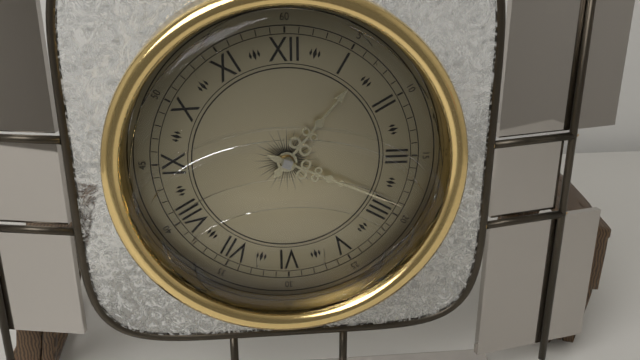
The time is 1 h 19 min
